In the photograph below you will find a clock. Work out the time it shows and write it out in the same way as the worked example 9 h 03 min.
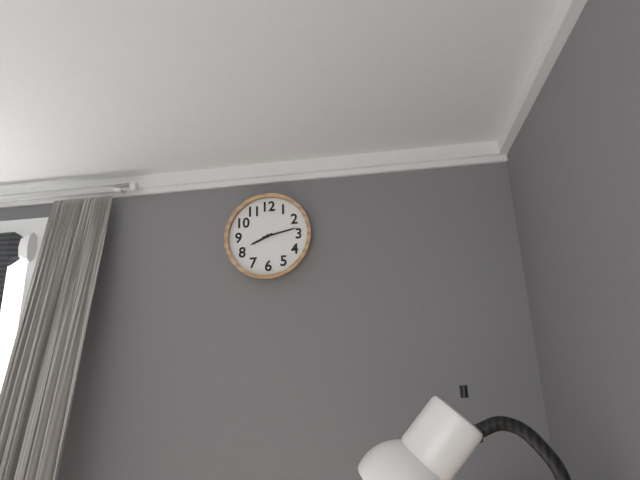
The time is 8 h 13 min
